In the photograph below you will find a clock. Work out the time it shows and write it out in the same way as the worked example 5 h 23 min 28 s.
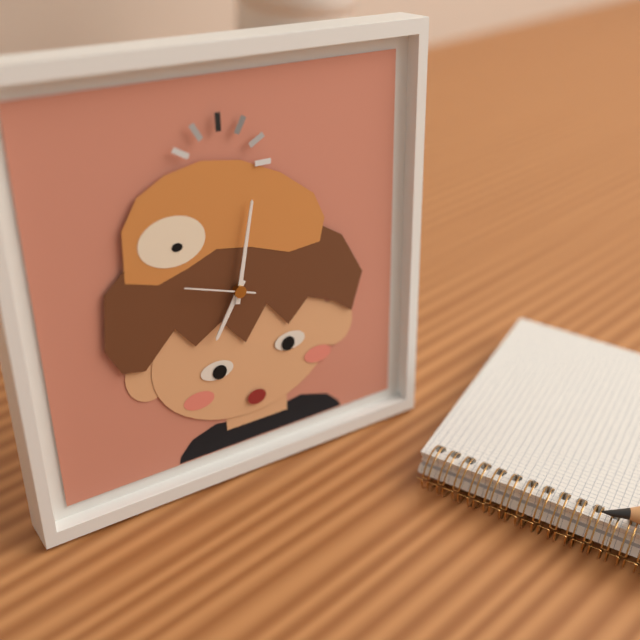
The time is 7 h 02 min 48 s
